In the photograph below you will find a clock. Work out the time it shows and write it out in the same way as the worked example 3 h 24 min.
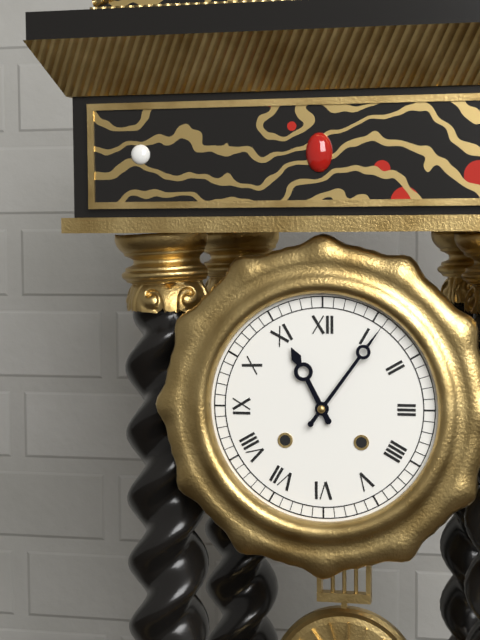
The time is 11 h 06 min
